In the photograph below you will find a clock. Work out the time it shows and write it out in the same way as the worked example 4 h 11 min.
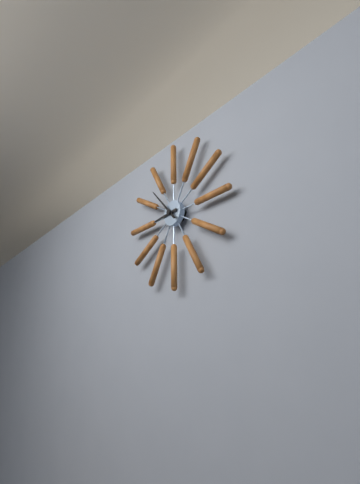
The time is 8 h 53 min
